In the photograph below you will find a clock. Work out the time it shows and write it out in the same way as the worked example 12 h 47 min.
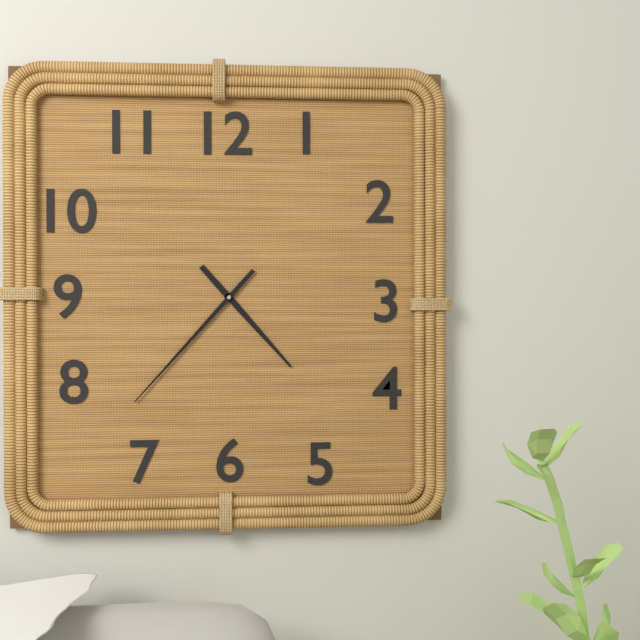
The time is 4 h 37 min
